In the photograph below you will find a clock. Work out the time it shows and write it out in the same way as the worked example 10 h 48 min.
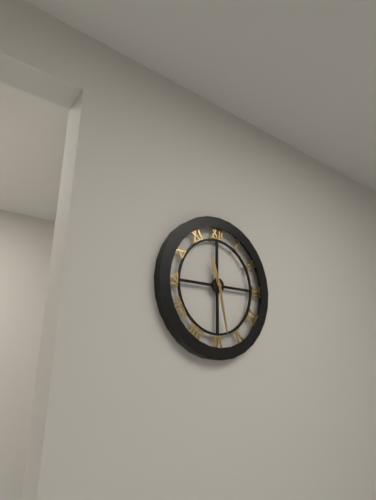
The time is 11 h 28 min
